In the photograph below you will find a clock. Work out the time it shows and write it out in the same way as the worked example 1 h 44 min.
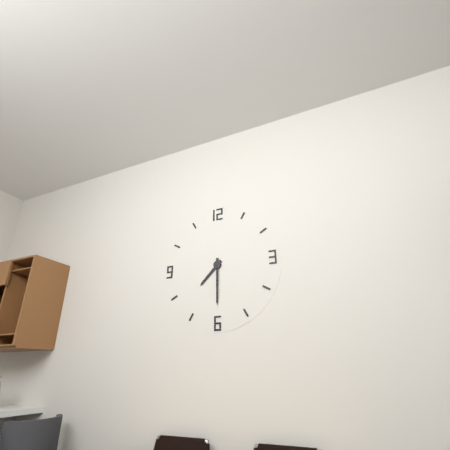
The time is 7 h 30 min
